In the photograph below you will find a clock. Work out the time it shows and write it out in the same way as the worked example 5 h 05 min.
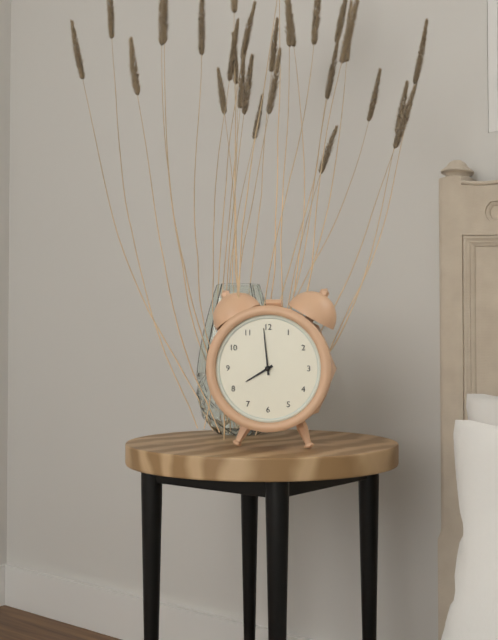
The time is 7 h 59 min
